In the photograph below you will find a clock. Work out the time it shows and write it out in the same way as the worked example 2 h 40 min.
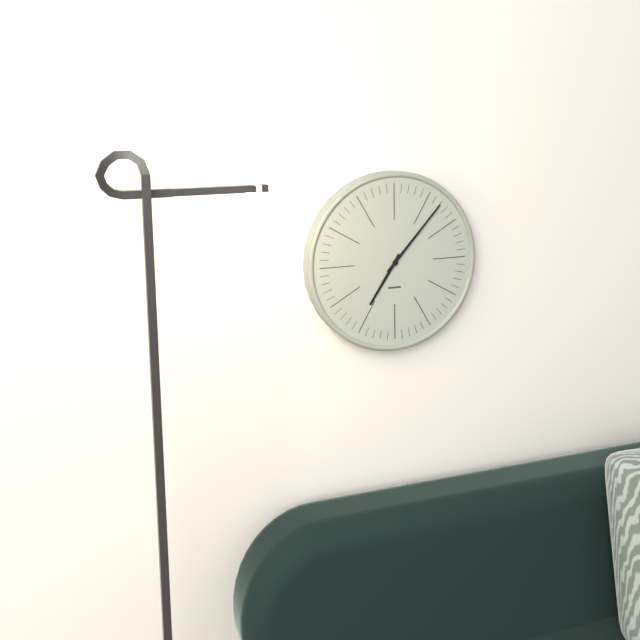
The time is 7 h 07 min
